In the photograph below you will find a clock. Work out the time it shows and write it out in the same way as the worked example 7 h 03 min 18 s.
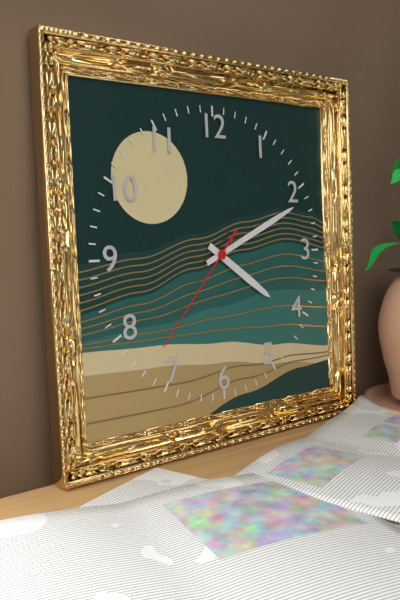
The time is 4 h 11 min 37 s
